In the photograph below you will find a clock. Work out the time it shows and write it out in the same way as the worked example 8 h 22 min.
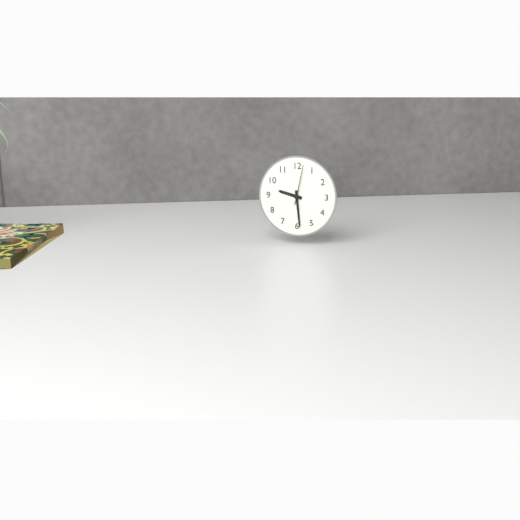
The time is 9 h 29 min
